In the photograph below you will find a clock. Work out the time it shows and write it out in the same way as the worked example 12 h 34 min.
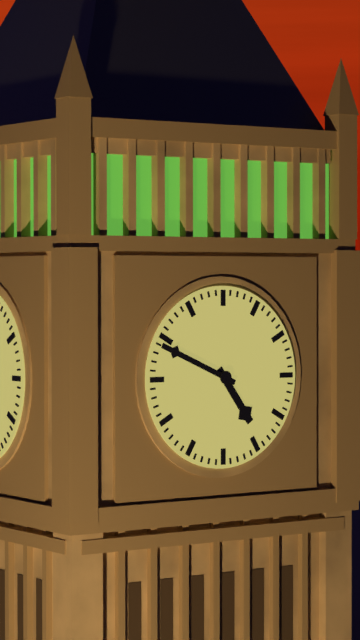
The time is 4 h 49 min
